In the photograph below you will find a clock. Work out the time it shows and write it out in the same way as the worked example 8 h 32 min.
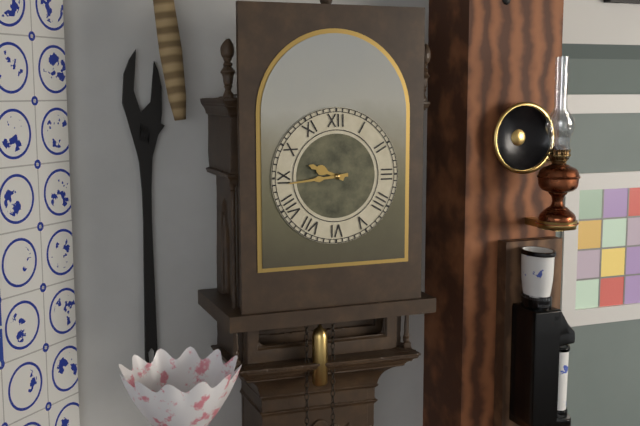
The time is 9 h 44 min
